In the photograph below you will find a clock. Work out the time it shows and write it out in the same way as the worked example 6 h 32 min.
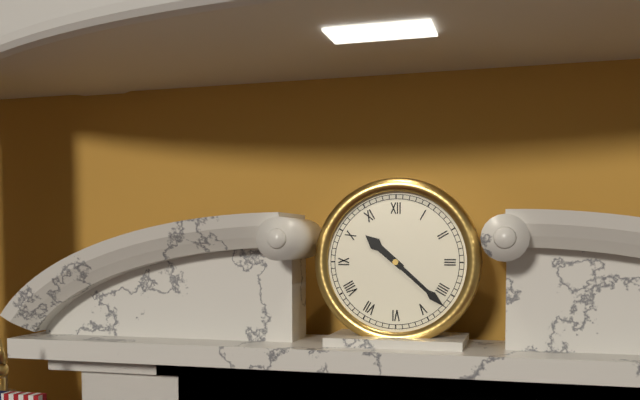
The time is 10 h 22 min
